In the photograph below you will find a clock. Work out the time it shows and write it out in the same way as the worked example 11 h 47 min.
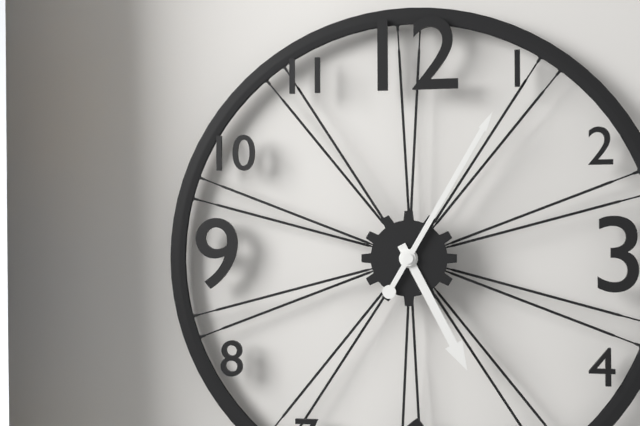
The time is 5 h 05 min
